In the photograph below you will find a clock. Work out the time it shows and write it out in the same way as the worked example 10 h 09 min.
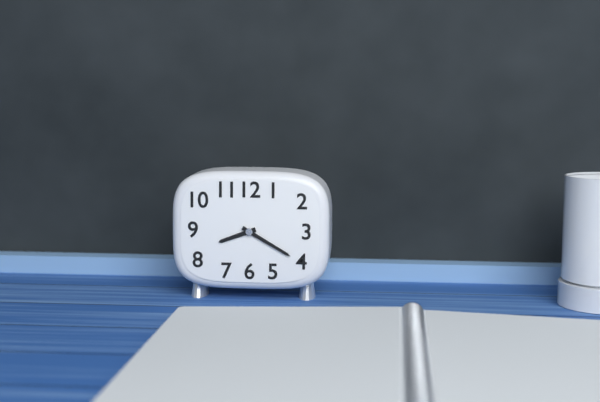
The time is 8 h 20 min
